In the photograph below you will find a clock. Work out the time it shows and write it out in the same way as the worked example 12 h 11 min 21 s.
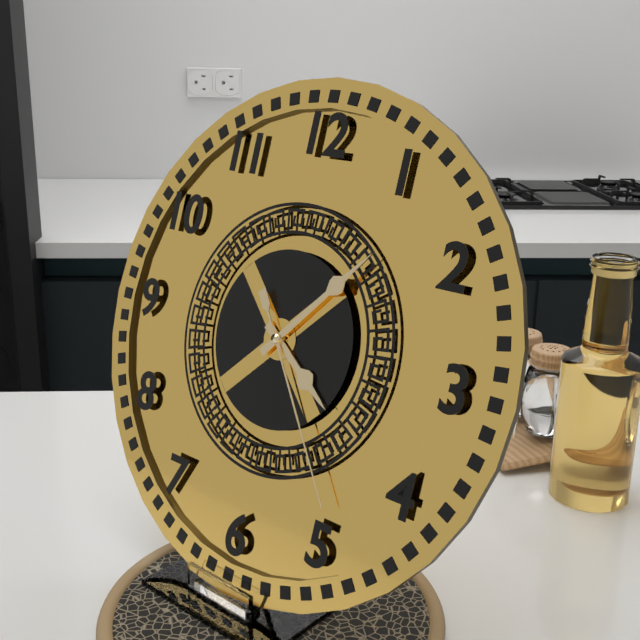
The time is 4 h 07 min 24 s
